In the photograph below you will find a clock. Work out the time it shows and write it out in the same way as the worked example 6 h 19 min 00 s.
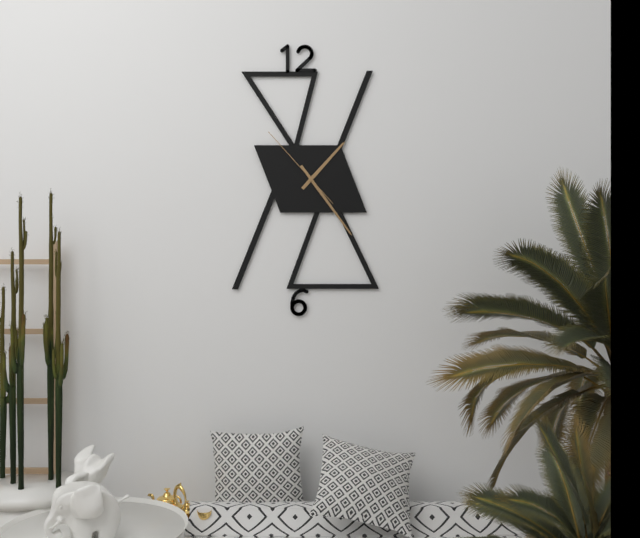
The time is 1 h 24 min 53 s
